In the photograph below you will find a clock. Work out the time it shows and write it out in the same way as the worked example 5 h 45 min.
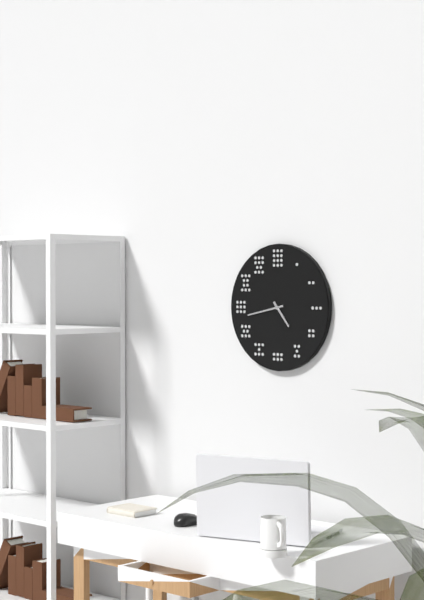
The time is 4 h 43 min
